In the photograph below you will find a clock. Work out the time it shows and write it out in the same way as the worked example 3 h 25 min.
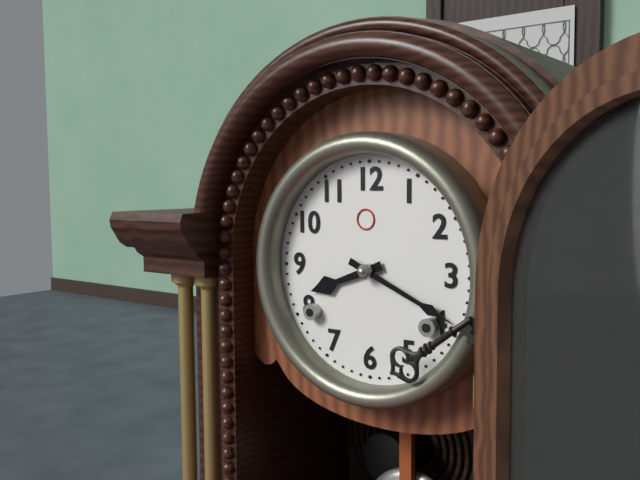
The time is 8 h 19 min
